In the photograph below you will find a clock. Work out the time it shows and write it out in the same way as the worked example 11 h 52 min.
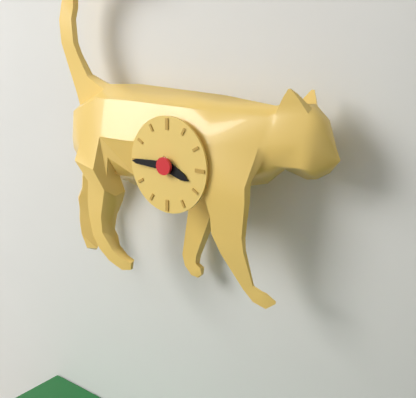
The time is 3 h 45 min
